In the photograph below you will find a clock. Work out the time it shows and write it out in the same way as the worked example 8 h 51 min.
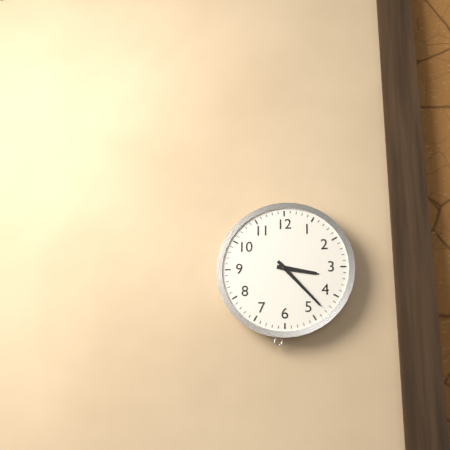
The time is 3 h 23 min
